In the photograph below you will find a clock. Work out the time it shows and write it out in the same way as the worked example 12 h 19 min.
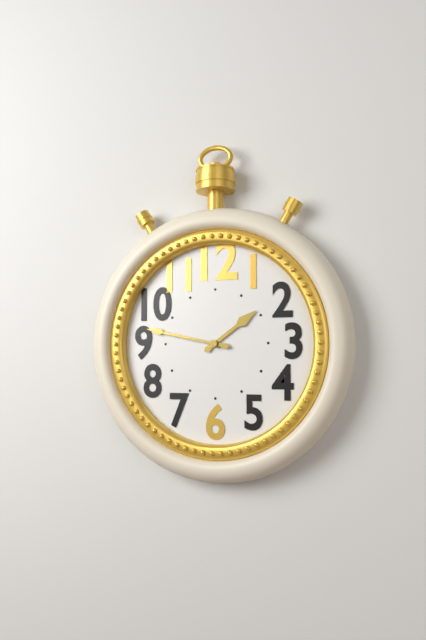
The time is 1 h 47 min
